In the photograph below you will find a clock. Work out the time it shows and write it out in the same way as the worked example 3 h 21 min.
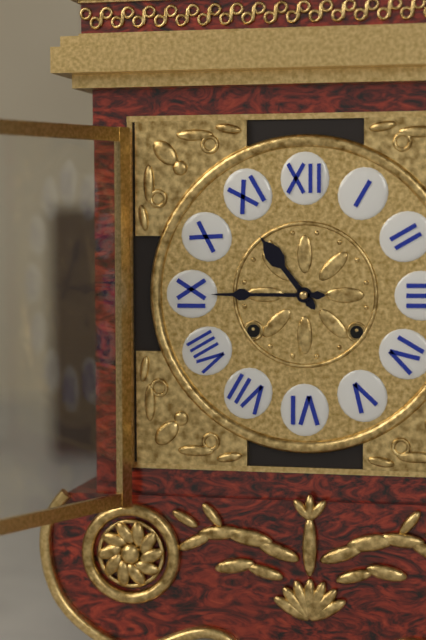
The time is 10 h 45 min
